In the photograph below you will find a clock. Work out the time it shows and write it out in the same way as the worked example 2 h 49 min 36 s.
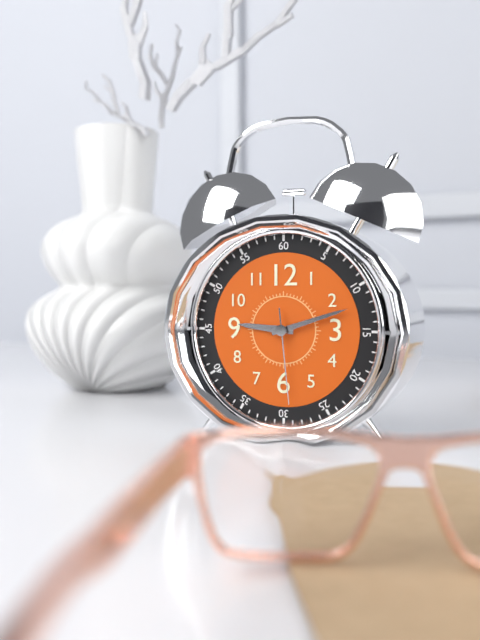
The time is 9 h 12 min 29 s
